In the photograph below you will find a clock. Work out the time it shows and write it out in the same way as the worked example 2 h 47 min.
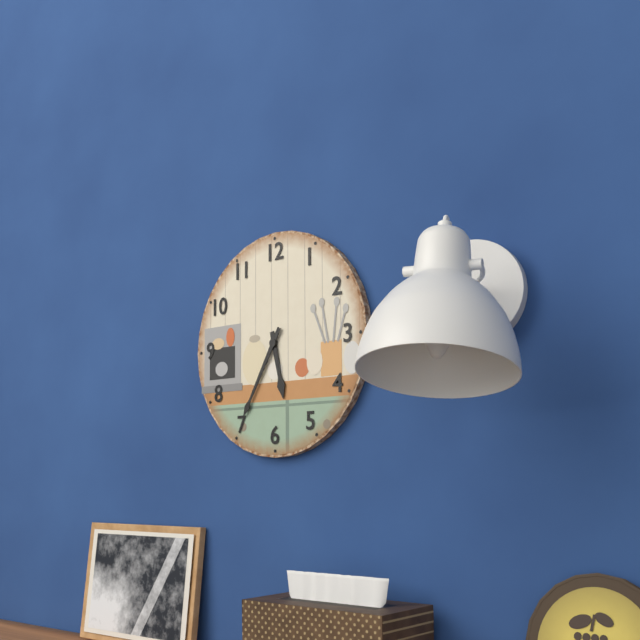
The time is 5 h 35 min
